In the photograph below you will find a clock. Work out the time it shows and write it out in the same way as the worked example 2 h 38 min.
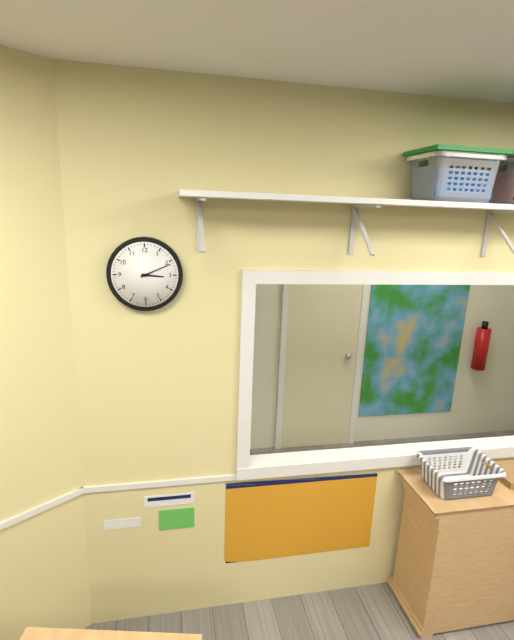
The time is 3 h 11 min
